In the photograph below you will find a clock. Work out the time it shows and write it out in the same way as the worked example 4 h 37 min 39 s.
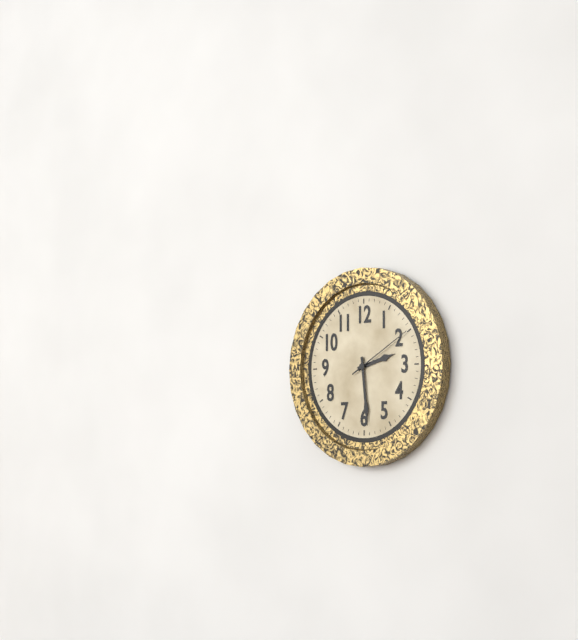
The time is 2 h 29 min 10 s
